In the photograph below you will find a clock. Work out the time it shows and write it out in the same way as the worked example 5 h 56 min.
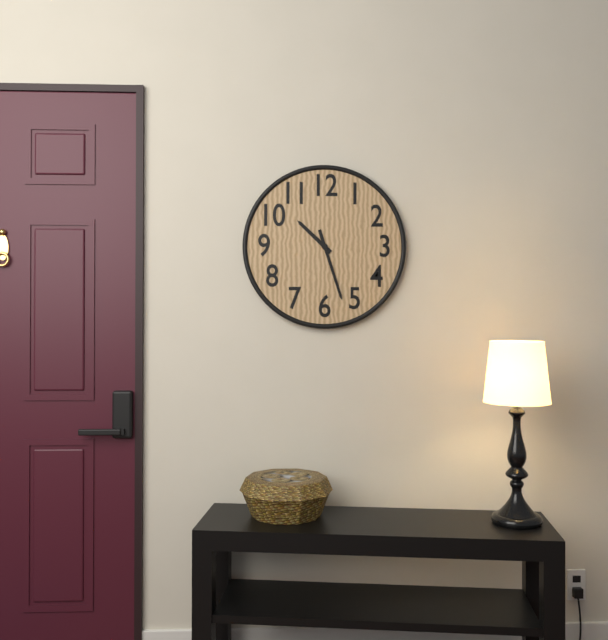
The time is 10 h 27 min
